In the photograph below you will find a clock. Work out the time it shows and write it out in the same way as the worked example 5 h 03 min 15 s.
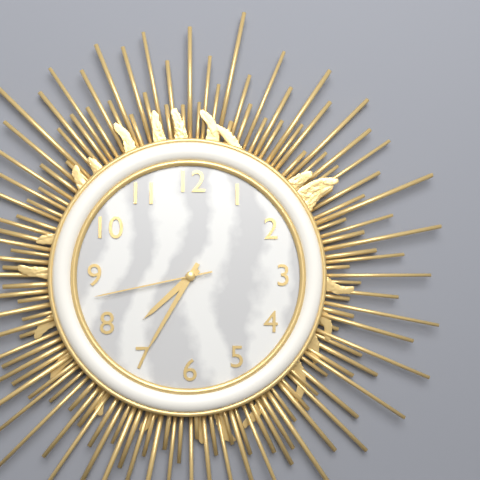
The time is 7 h 35 min 43 s
